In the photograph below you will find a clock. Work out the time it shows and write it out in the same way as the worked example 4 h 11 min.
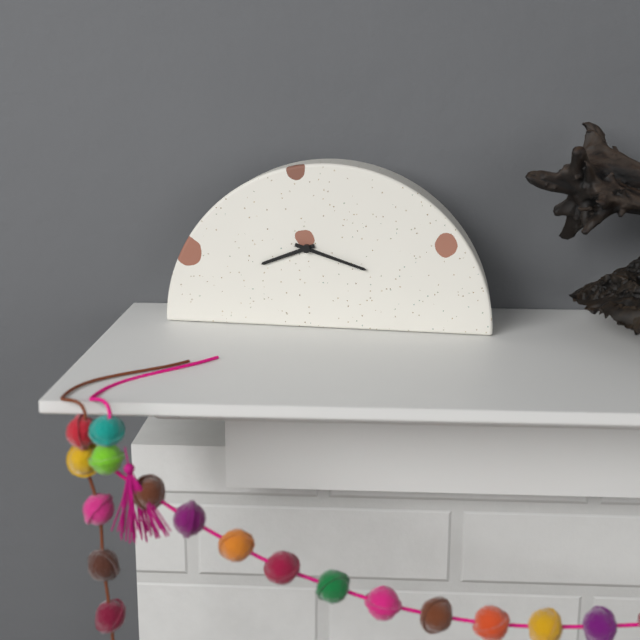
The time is 8 h 18 min
